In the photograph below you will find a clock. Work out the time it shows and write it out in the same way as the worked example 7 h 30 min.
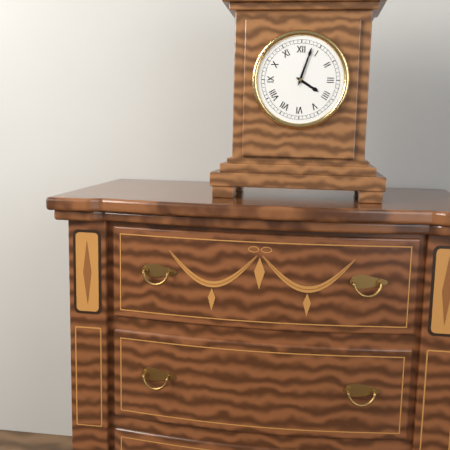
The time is 4 h 03 min
